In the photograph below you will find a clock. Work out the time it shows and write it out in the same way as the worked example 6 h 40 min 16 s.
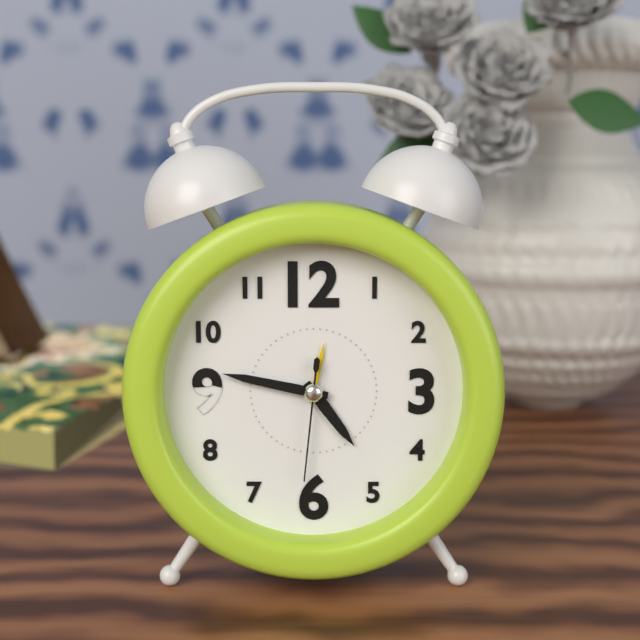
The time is 4 h 47 min 31 s
